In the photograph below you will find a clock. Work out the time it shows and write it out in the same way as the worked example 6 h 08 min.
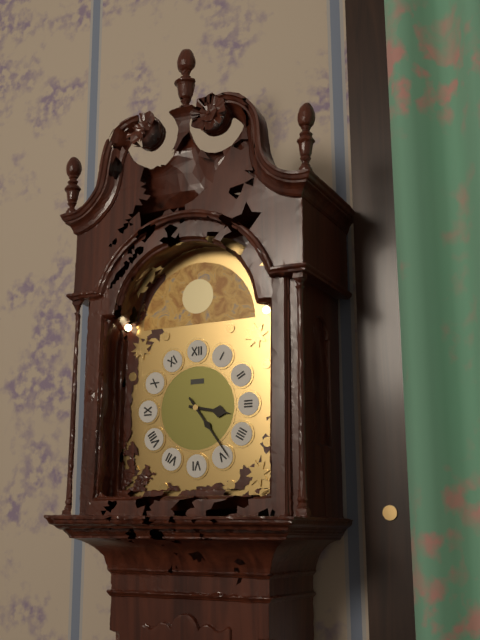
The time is 3 h 24 min
